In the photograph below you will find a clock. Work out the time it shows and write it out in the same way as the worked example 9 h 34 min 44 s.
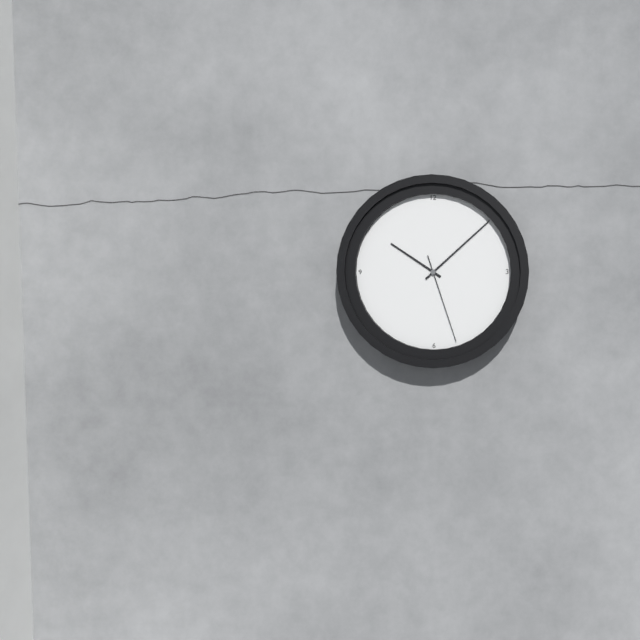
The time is 10 h 08 min 27 s
